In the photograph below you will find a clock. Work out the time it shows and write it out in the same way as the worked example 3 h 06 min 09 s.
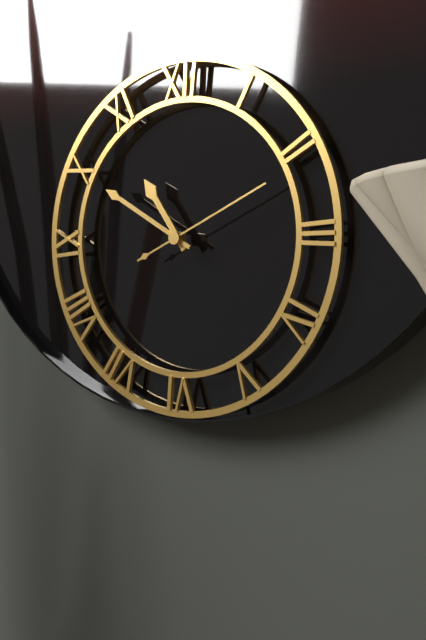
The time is 10 h 50 min 11 s
